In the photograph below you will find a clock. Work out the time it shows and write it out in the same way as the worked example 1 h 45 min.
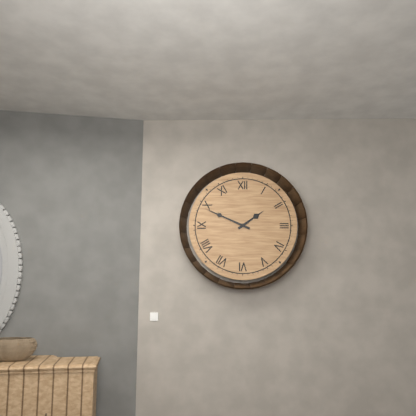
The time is 1 h 49 min
